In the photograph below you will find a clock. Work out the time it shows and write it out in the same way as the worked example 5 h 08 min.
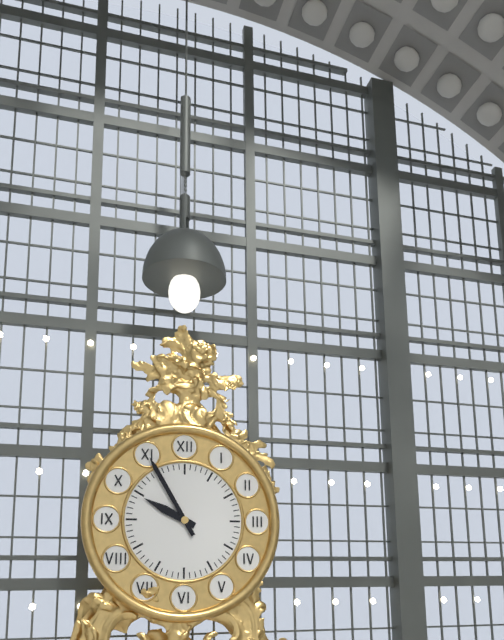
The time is 9 h 55 min
